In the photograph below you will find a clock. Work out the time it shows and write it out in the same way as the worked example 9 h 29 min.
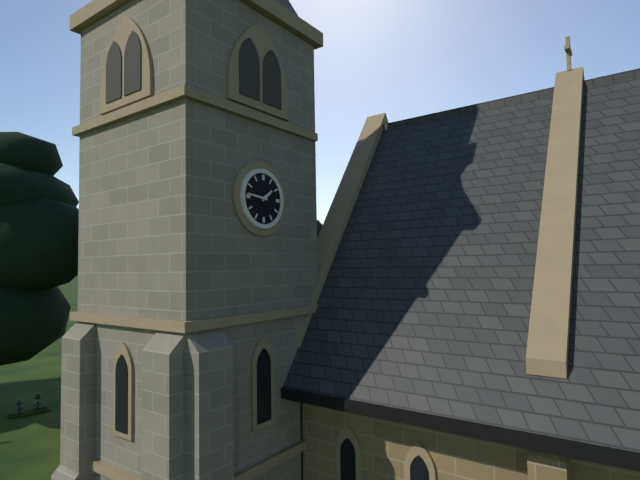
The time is 1 h 46 min
